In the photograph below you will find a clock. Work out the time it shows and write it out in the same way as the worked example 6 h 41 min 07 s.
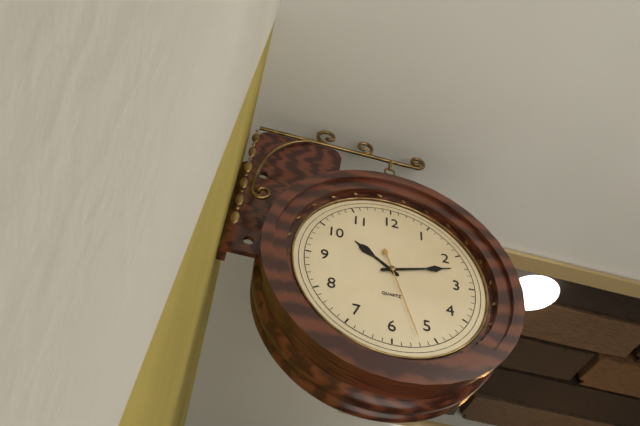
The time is 10 h 12 min 27 s
